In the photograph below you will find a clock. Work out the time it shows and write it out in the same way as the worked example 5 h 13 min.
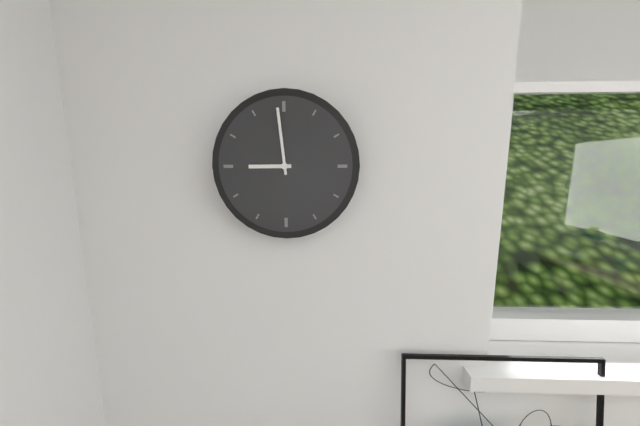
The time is 8 h 59 min
